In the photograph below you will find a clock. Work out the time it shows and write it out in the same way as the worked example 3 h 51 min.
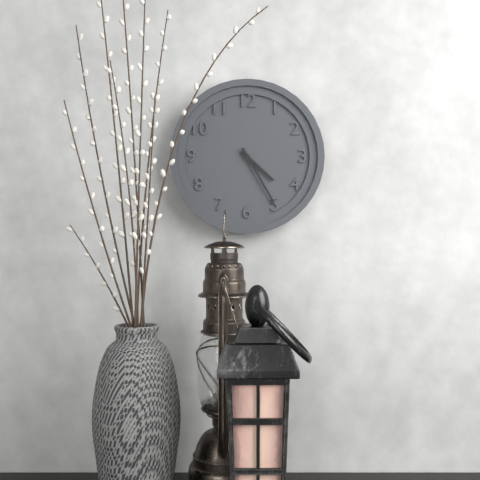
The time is 4 h 25 min
